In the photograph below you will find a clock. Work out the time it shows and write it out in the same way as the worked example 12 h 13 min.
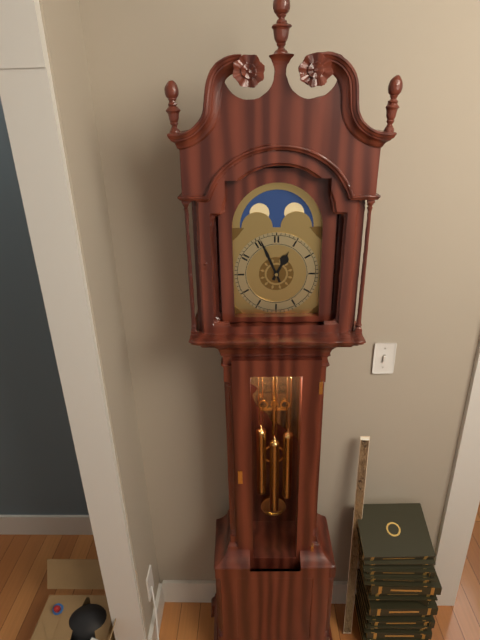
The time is 12 h 56 min
